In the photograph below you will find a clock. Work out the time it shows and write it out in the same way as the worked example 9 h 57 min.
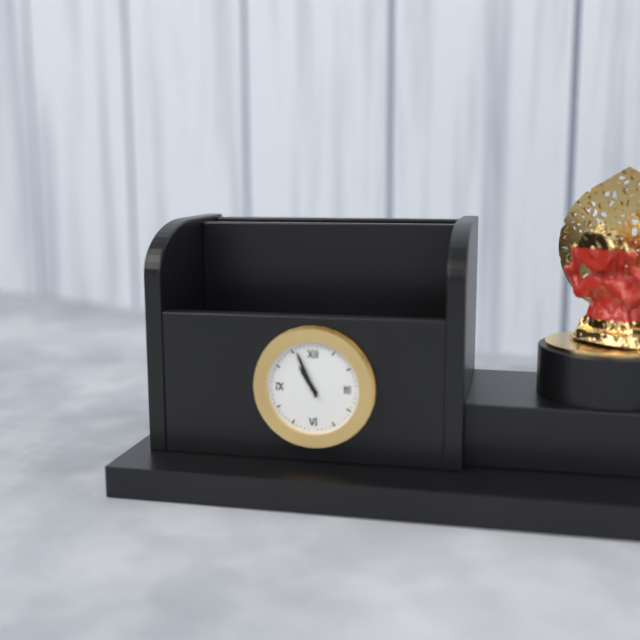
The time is 10 h 56 min
